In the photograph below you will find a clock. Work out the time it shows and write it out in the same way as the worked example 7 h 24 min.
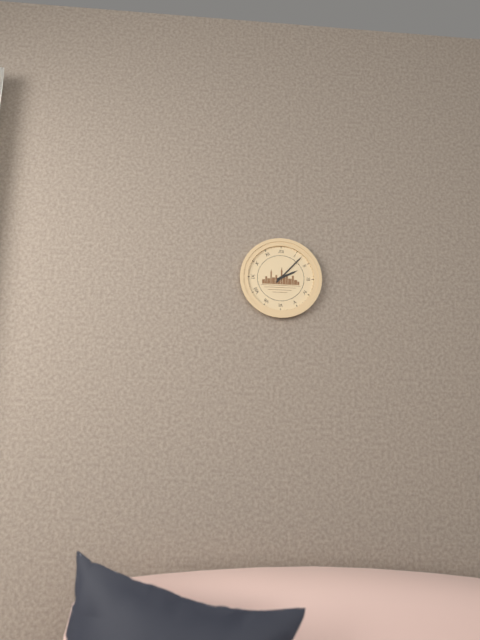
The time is 2 h 07 min
